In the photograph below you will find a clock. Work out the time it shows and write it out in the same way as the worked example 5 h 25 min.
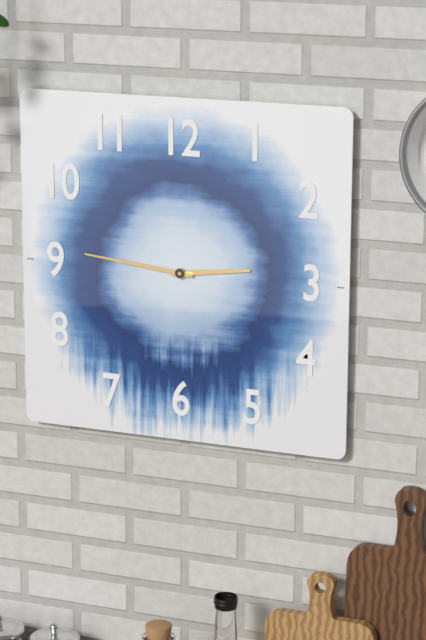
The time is 2 h 46 min
